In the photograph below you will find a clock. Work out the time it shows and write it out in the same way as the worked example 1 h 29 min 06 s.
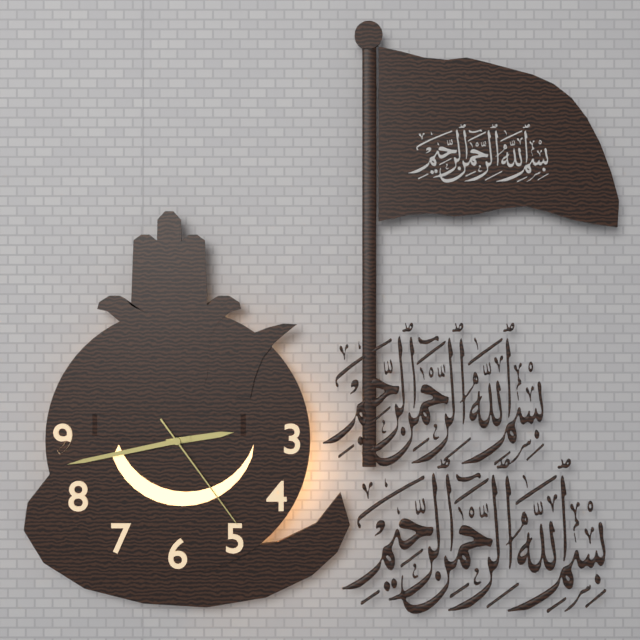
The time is 2 h 43 min 24 s
